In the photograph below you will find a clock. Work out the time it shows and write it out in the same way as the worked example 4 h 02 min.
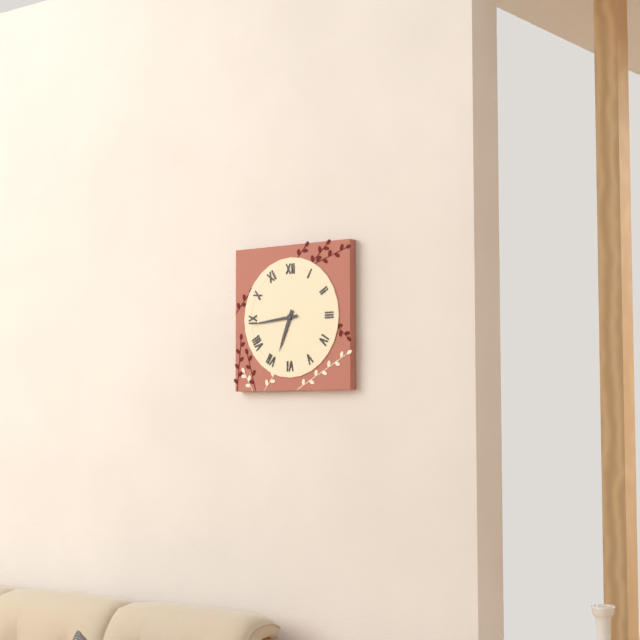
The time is 6 h 44 min
